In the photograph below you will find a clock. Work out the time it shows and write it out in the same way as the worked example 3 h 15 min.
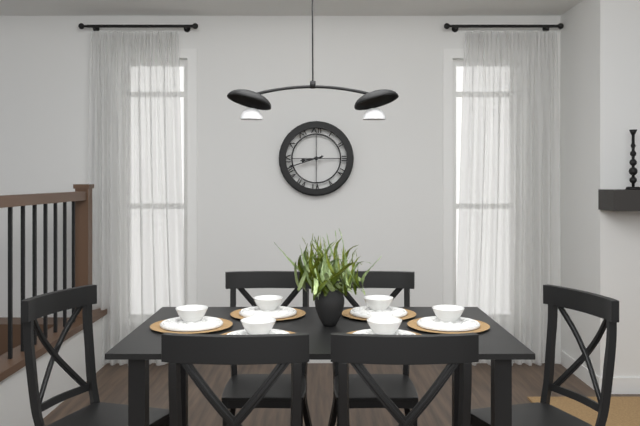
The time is 8 h 42 min
